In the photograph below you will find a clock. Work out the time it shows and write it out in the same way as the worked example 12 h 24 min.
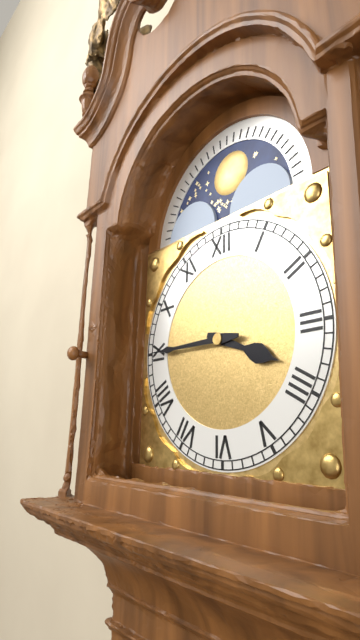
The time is 3 h 45 min
